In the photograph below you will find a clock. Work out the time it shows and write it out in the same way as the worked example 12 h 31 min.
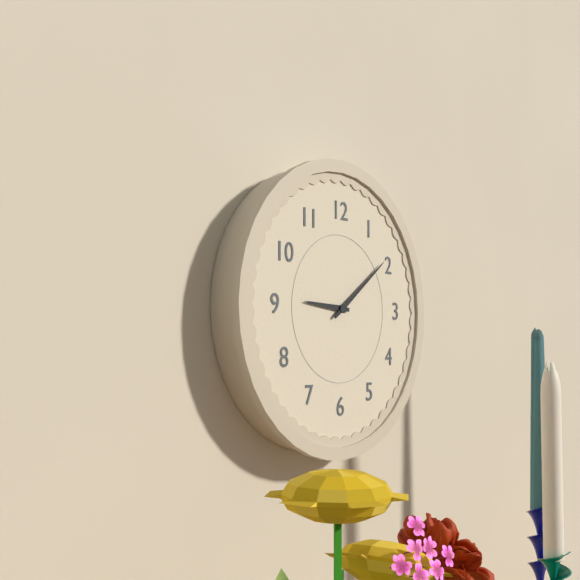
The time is 9 h 09 min
